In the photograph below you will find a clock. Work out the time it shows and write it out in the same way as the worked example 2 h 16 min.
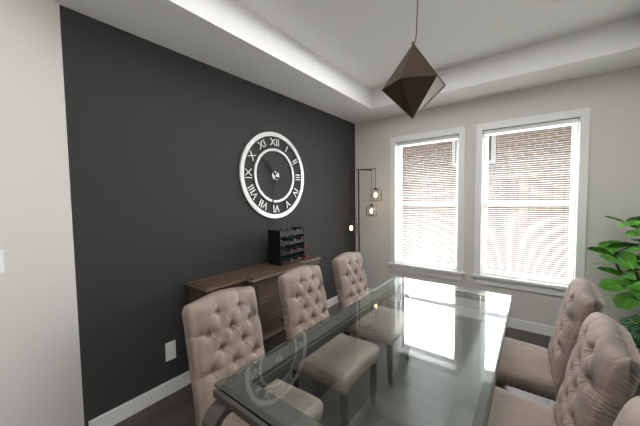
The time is 10 h 32 min
